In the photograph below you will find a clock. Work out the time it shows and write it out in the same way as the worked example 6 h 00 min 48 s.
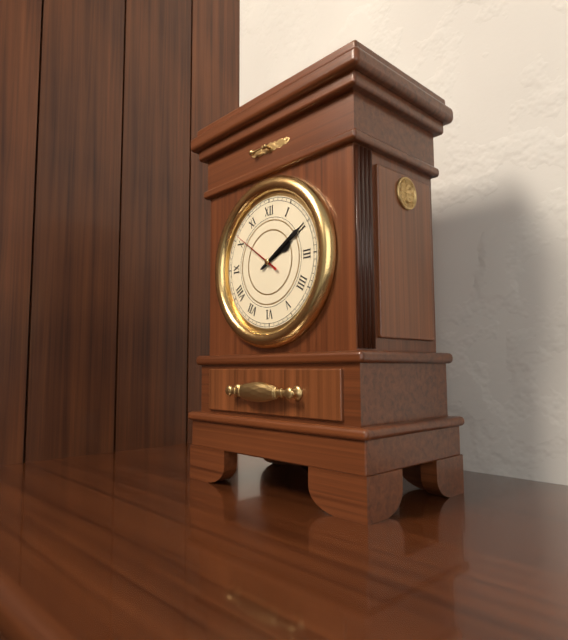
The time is 2 h 10 min 51 s
